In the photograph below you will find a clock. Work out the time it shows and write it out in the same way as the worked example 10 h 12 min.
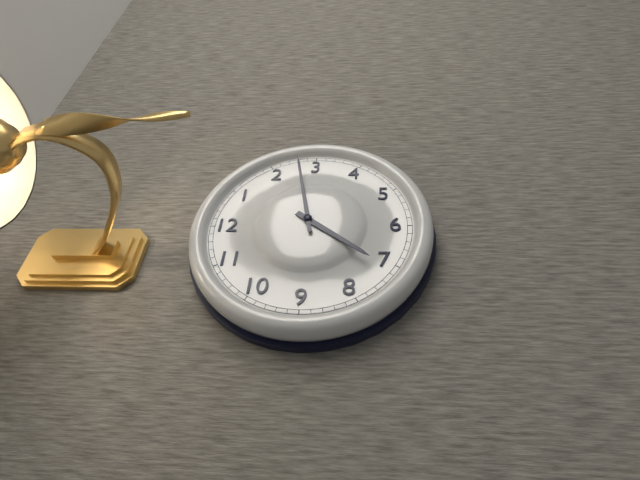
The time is 7 h 13 min
